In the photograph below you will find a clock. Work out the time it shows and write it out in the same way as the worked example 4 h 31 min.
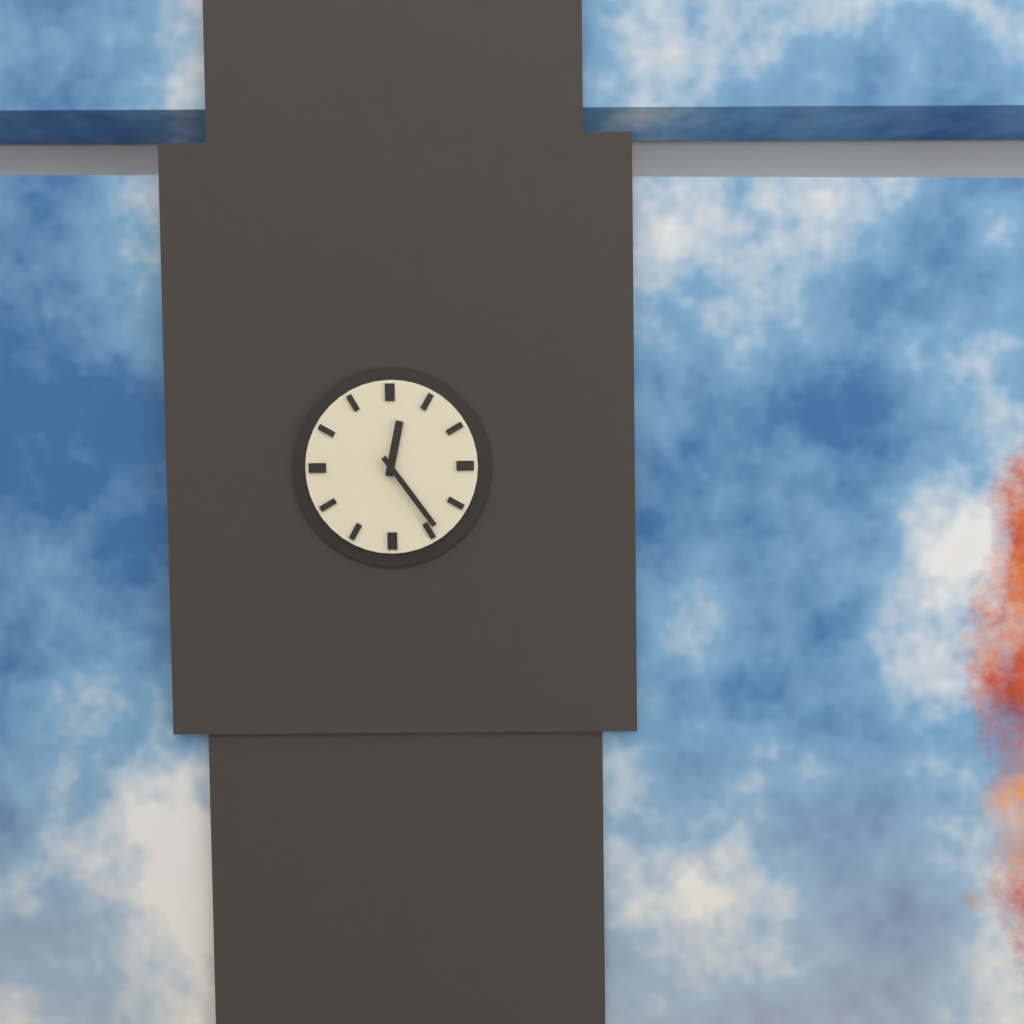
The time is 12 h 24 min
